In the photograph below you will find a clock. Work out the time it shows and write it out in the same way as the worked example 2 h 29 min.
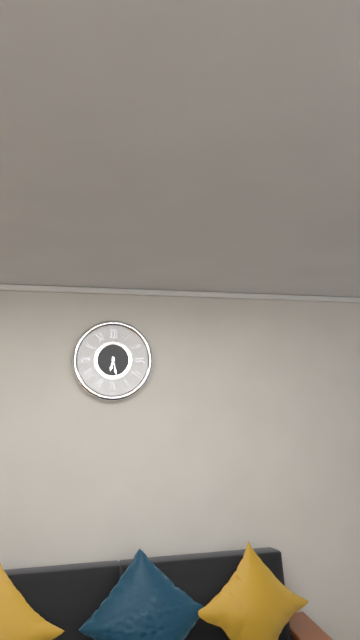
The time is 6 h 28 min
